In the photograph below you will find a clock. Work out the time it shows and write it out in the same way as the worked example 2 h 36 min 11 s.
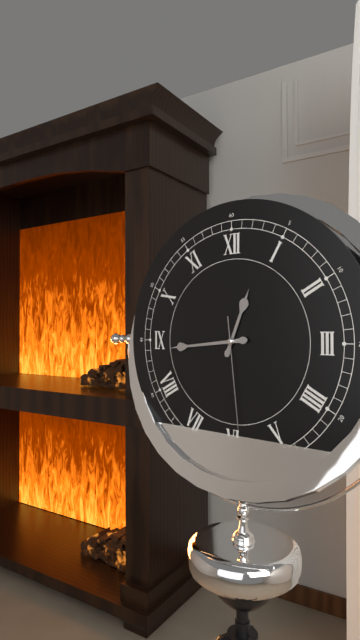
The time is 12 h 44 min 29 s
